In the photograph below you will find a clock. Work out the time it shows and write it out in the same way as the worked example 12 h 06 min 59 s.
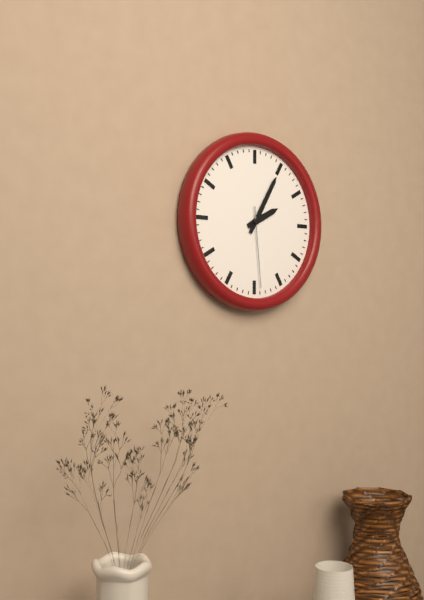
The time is 2 h 05 min 29 s
